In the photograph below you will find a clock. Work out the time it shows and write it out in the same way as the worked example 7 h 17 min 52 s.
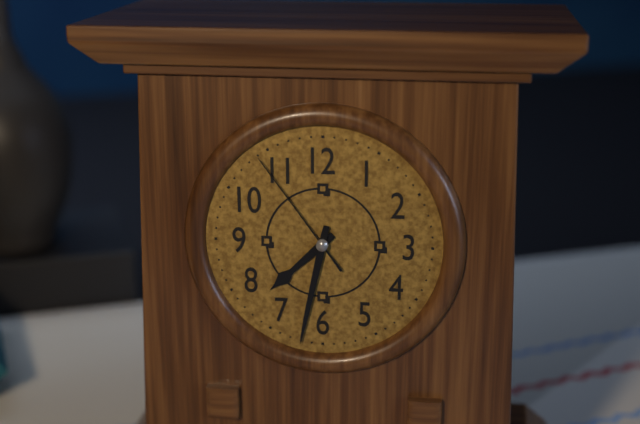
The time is 7 h 32 min 54 s
